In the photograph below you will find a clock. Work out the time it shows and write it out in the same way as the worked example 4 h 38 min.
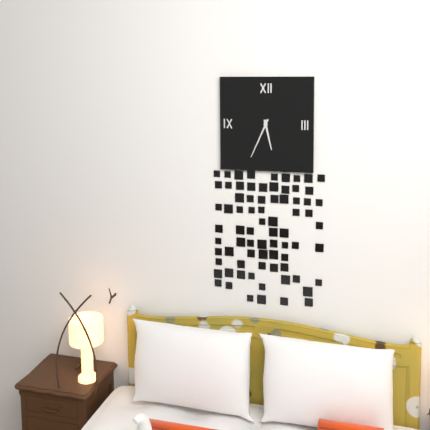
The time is 5 h 34 min
